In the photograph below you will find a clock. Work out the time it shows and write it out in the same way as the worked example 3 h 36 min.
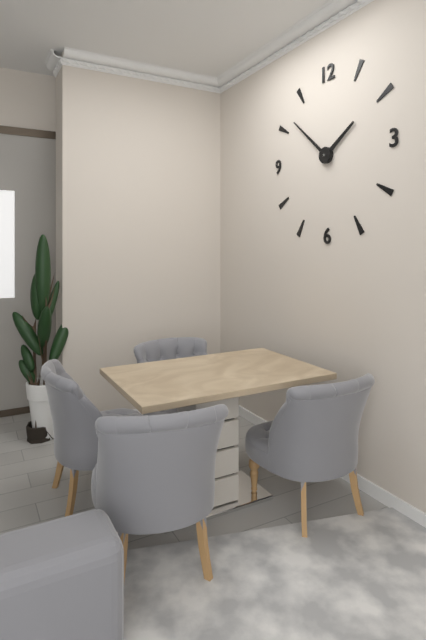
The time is 1 h 52 min
